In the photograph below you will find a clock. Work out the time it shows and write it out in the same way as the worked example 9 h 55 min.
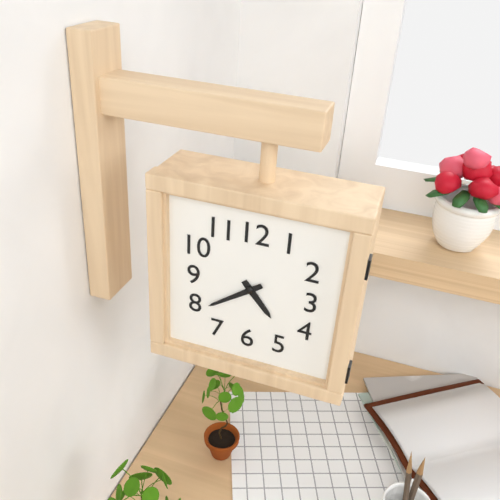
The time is 4 h 39 min
